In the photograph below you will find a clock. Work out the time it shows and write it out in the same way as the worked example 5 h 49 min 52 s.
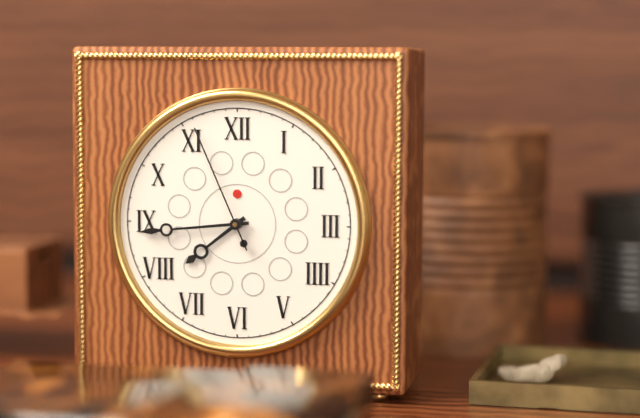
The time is 7 h 44 min 56 s
